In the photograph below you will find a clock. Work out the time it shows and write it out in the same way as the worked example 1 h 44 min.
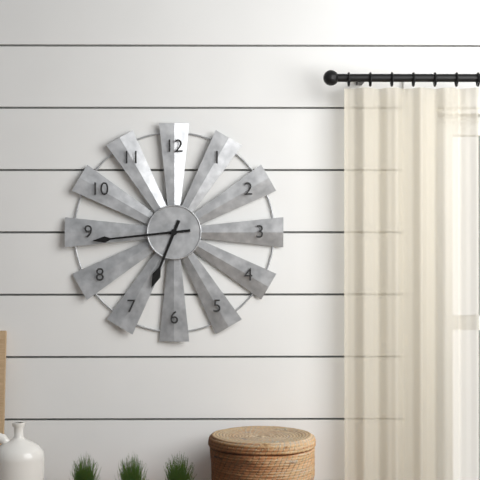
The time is 6 h 44 min
